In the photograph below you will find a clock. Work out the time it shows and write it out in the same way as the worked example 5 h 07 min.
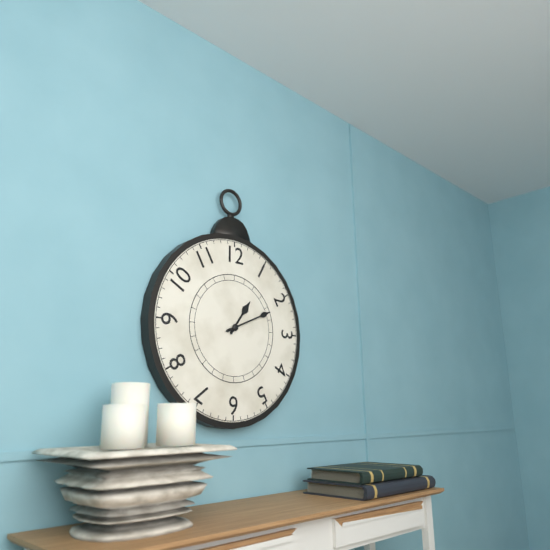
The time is 1 h 11 min
